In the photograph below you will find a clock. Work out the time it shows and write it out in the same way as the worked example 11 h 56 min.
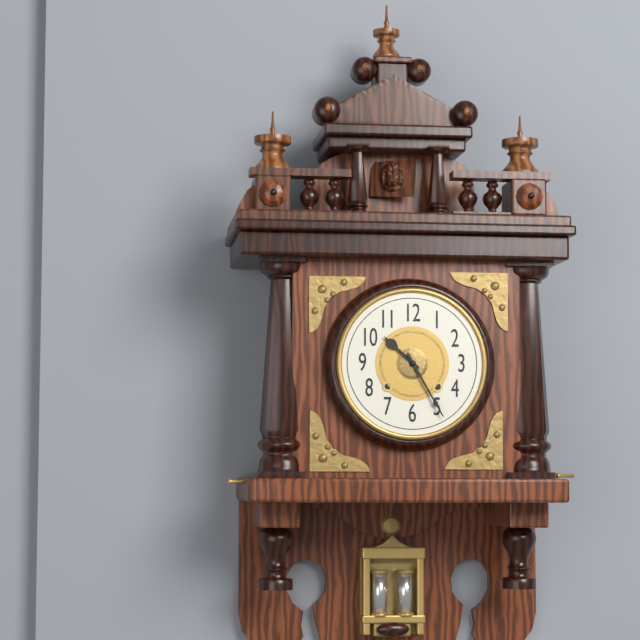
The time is 10 h 25 min
